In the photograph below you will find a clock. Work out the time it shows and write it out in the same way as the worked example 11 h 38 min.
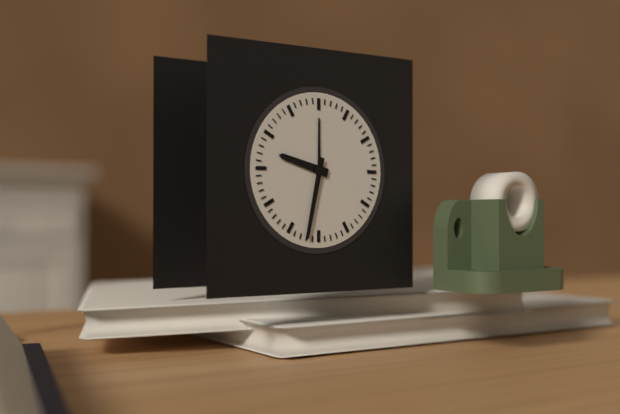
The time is 9 h 32 min
